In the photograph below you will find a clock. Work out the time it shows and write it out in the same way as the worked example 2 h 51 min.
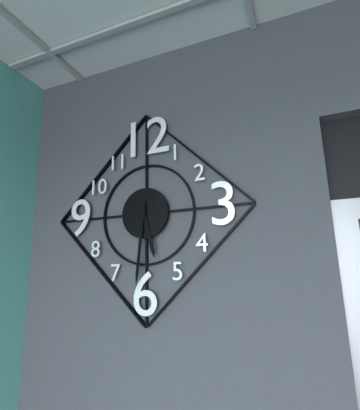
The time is 5 h 31 min
